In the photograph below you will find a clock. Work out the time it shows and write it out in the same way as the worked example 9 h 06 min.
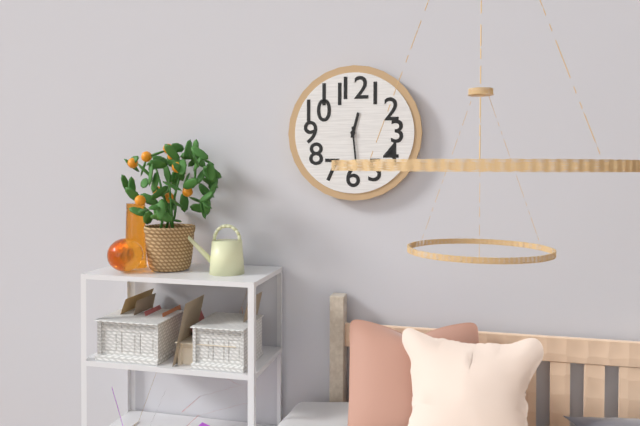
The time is 12 h 29 min
